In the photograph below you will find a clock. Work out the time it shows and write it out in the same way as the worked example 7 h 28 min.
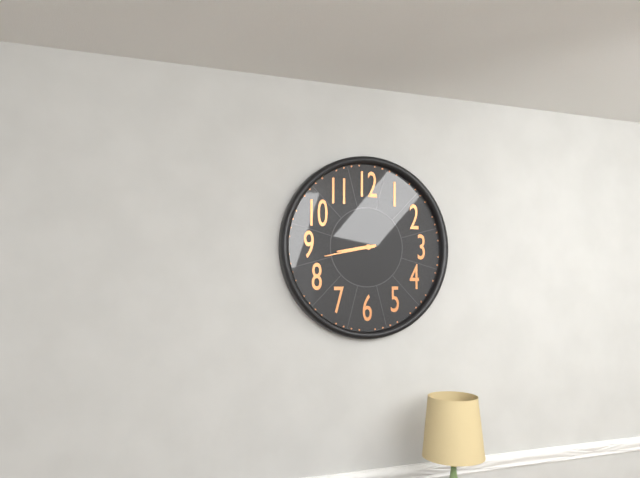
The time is 8 h 43 min
